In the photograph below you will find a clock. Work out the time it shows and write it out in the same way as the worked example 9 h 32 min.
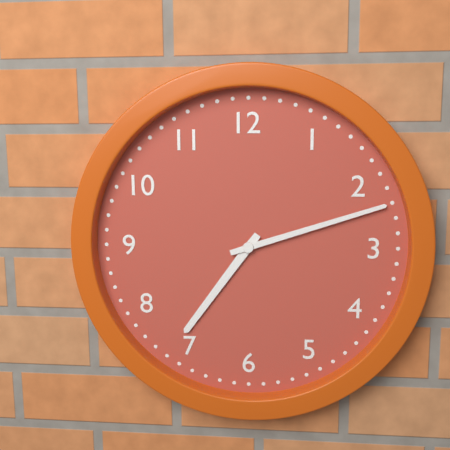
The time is 7 h 12 min
